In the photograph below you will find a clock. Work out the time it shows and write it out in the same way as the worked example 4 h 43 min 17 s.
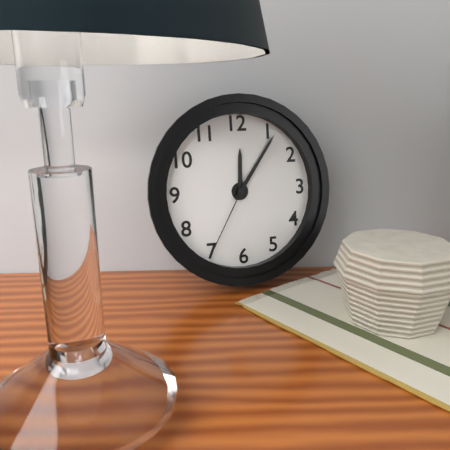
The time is 12 h 06 min 35 s
